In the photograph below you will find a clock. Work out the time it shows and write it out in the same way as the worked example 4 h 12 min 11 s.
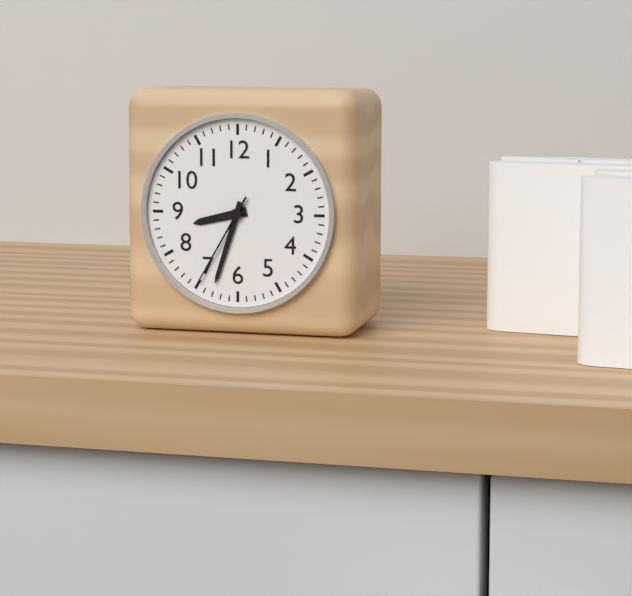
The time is 8 h 33 min 35 s
